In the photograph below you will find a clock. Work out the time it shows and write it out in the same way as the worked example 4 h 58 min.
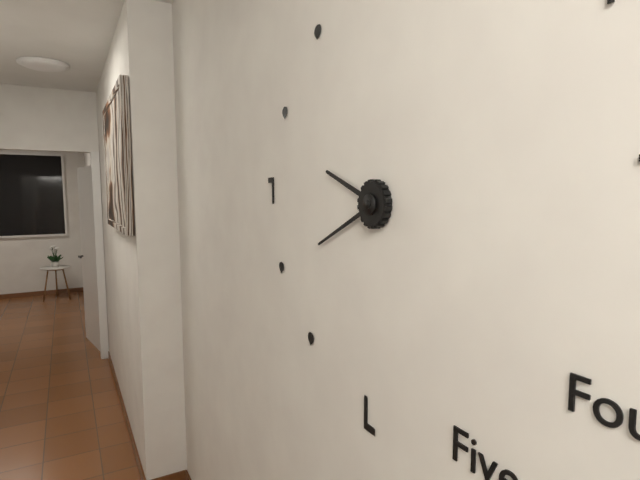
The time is 9 h 41 min
